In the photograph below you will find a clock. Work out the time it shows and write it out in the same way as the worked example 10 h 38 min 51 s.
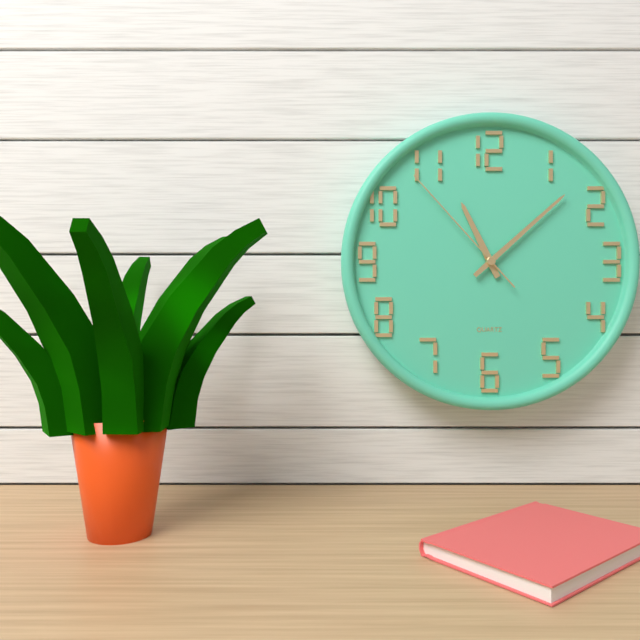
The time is 11 h 08 min 53 s
